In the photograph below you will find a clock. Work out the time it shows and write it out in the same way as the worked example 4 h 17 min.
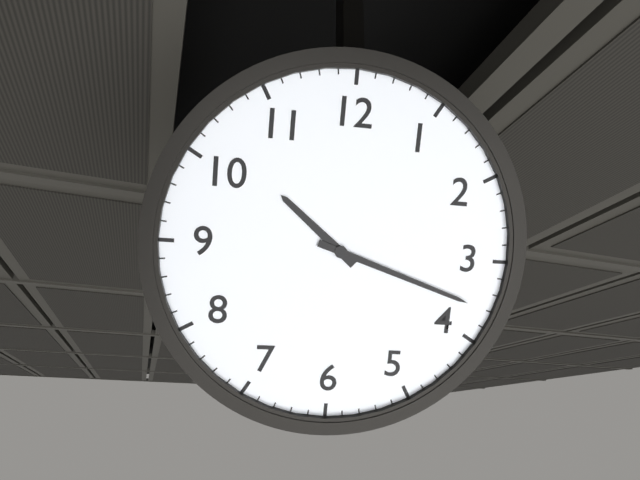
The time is 10 h 18 min
